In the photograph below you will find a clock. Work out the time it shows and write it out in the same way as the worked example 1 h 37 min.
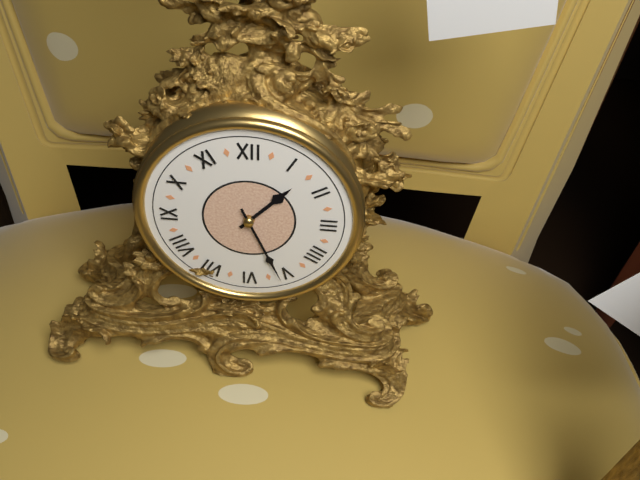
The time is 1 h 26 min
